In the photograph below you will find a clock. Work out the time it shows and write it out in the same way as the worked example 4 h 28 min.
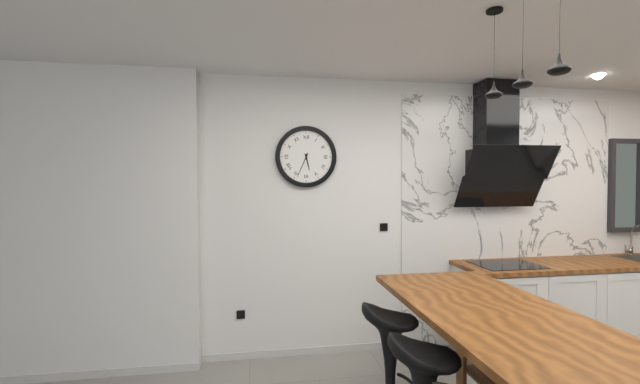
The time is 5 h 34 min
